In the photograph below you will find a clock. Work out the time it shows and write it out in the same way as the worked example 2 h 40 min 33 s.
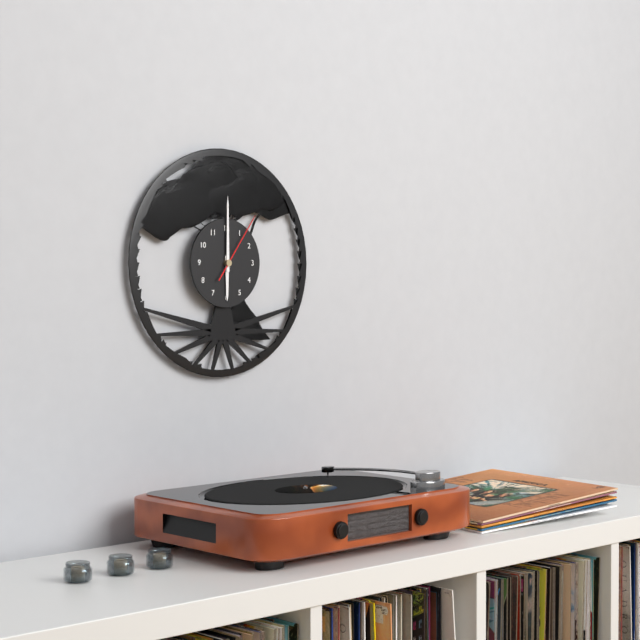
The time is 6 h 00 min 06 s
